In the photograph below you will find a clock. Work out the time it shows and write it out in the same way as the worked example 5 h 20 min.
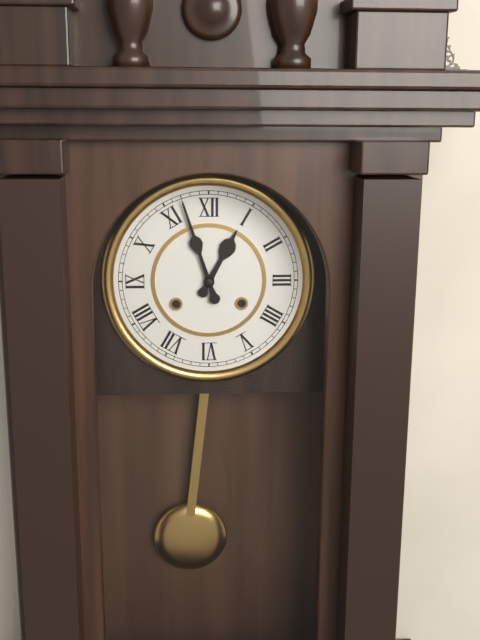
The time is 12 h 57 min
